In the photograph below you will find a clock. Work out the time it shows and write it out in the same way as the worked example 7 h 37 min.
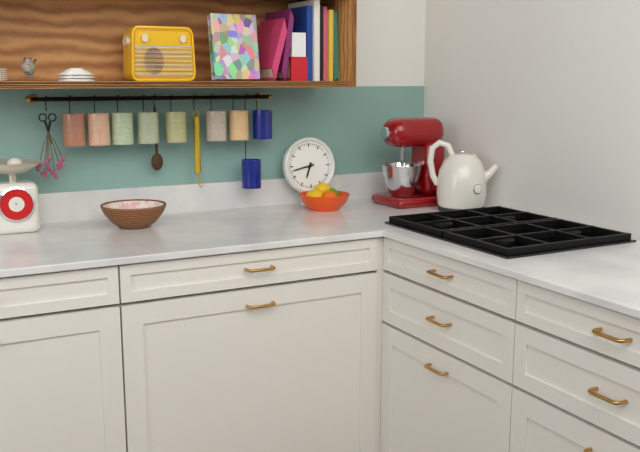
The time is 6 h 43 min
